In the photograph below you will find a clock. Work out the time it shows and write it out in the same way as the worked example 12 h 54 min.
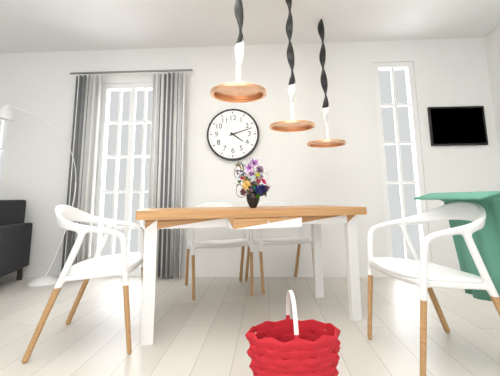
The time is 4 h 12 min
